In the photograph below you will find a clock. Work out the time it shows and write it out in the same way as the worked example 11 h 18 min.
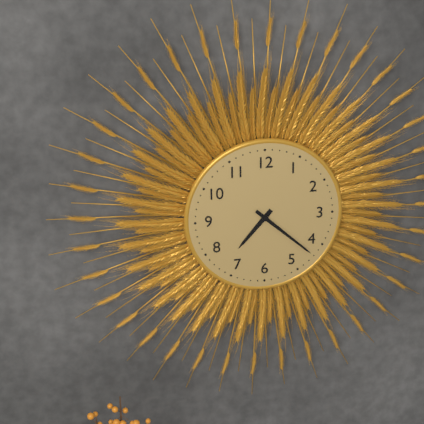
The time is 7 h 22 min
